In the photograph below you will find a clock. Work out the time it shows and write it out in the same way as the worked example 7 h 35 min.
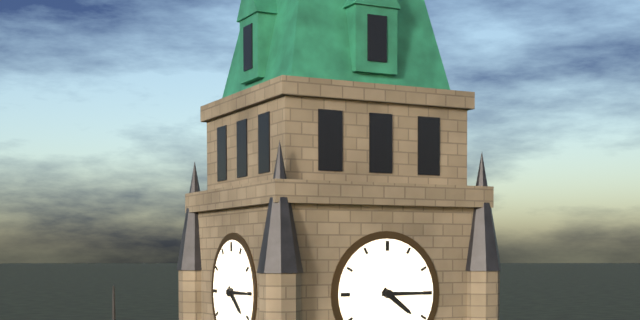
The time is 4 h 15 min
